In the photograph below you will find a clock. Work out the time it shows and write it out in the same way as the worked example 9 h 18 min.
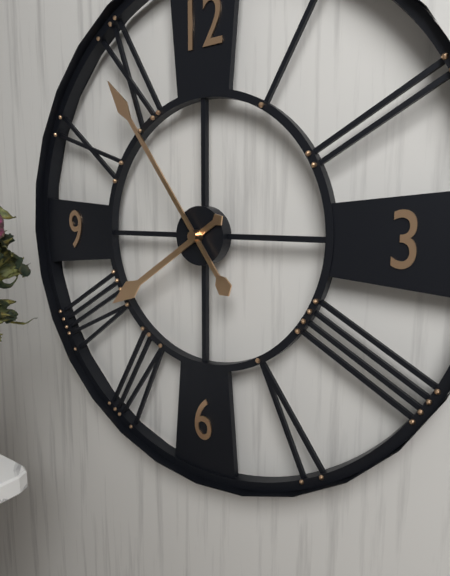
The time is 7 h 54 min
